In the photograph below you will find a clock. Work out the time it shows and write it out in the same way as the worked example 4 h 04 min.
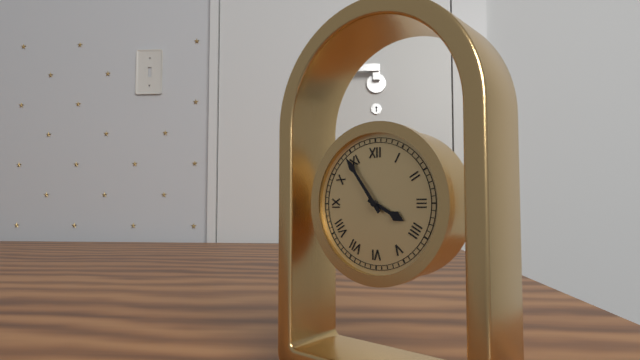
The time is 3 h 54 min
